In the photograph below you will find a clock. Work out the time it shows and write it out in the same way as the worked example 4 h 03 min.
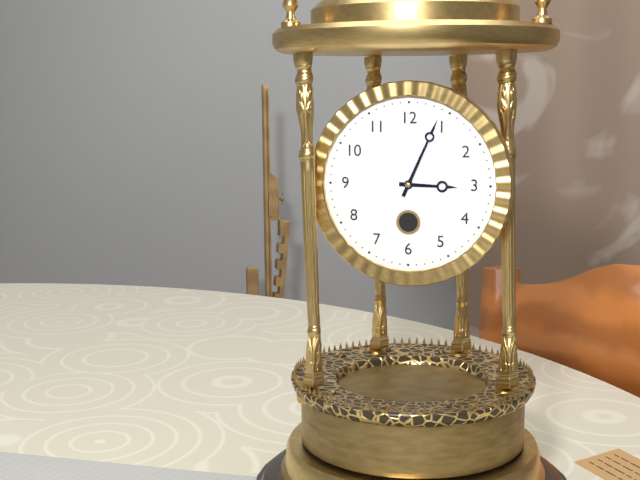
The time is 3 h 04 min
